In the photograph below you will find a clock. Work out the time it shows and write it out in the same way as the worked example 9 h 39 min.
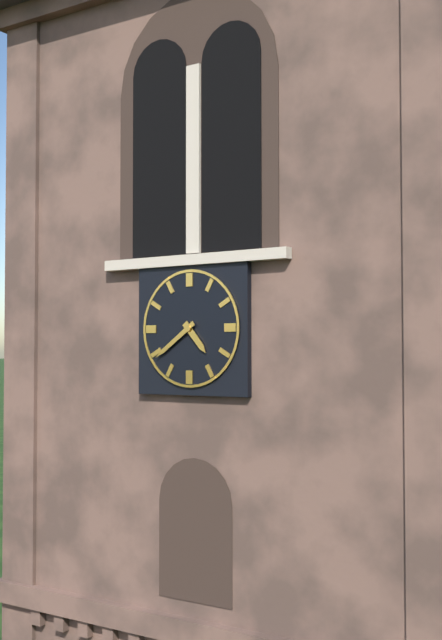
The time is 4 h 39 min
